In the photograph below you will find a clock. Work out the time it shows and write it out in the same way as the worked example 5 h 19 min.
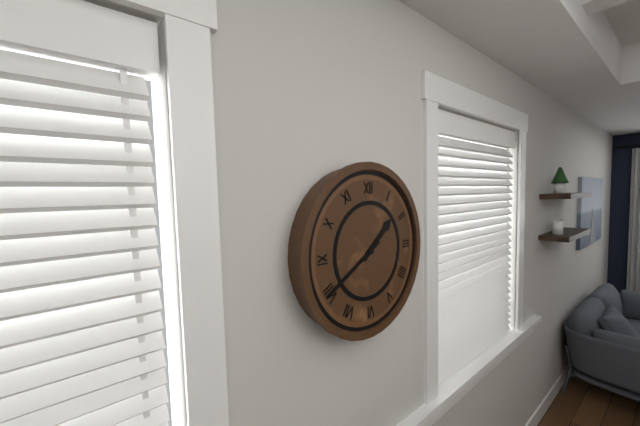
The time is 1 h 40 min
